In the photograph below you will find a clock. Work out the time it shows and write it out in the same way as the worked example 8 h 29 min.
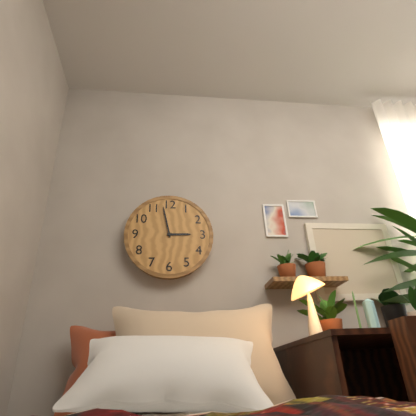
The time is 2 h 58 min
